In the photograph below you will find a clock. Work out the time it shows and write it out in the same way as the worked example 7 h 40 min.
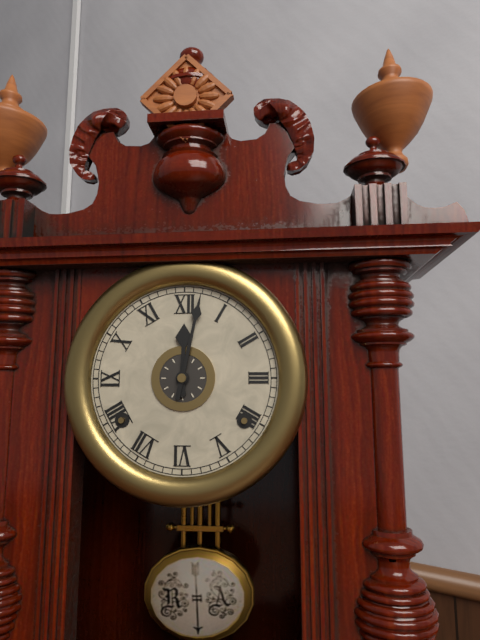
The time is 12 h 02 min
